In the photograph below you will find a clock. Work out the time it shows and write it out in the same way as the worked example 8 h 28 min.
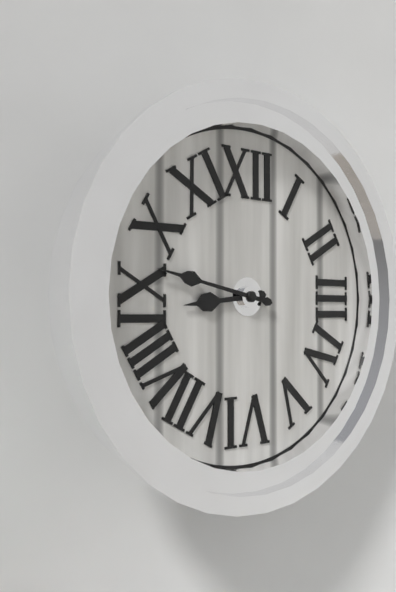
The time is 8 h 47 min
